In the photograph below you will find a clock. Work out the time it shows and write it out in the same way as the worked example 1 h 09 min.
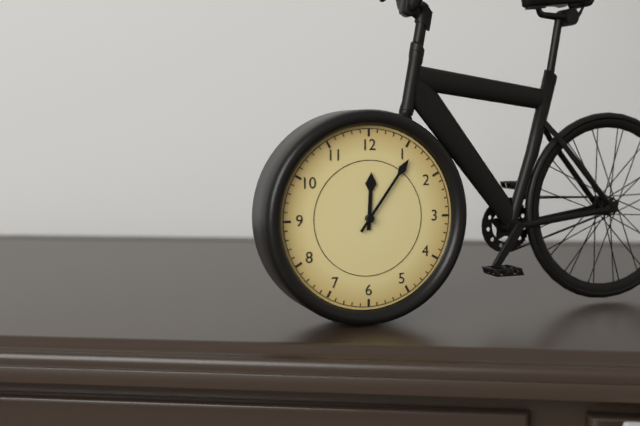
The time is 12 h 06 min
